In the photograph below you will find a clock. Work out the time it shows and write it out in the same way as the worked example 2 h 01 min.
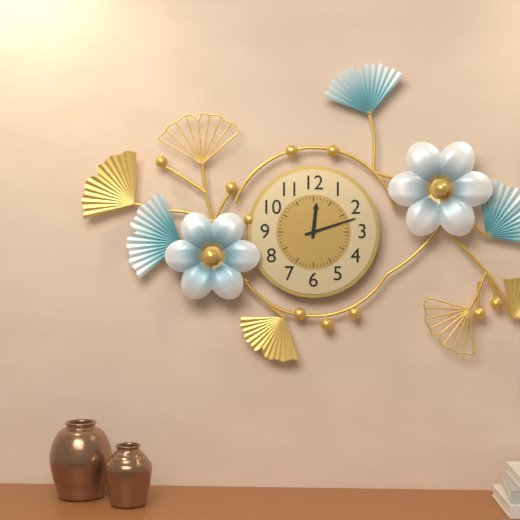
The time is 12 h 12 min
